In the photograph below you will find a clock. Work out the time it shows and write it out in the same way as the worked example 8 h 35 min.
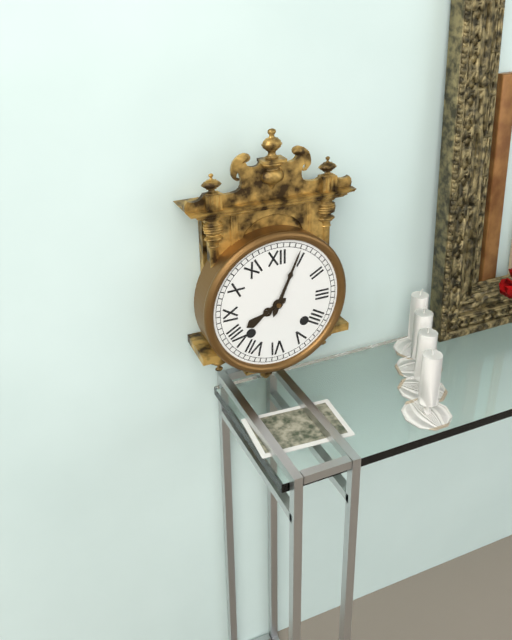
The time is 8 h 04 min
